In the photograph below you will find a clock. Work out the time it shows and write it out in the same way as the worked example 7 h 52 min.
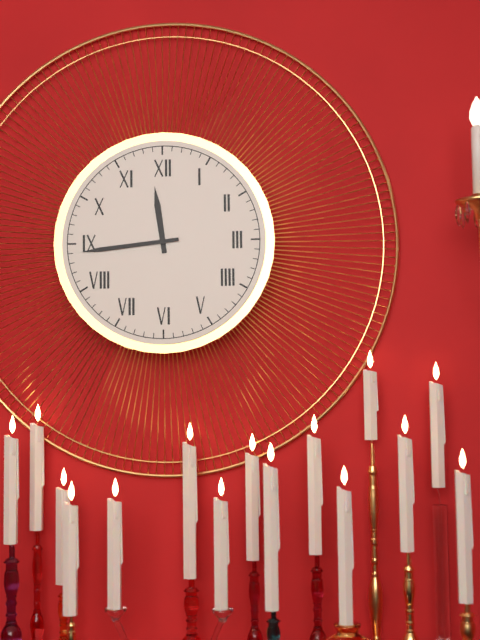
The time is 11 h 44 min
